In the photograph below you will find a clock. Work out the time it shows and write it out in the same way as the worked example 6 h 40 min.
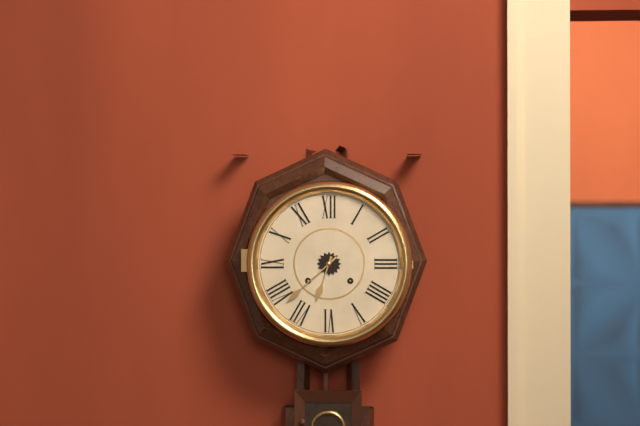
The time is 6 h 38 min
